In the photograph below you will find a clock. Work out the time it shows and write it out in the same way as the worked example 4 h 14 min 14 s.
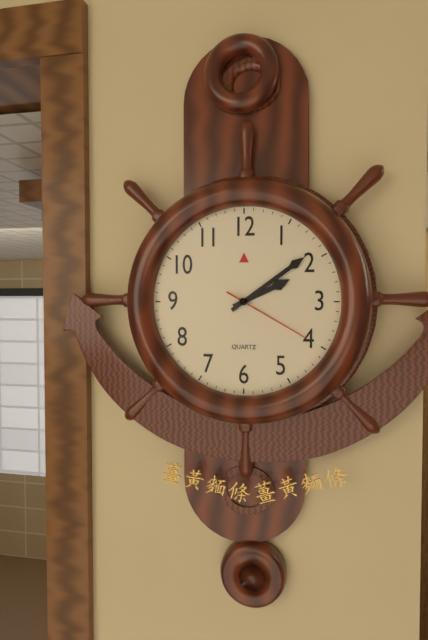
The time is 2 h 09 min 20 s
